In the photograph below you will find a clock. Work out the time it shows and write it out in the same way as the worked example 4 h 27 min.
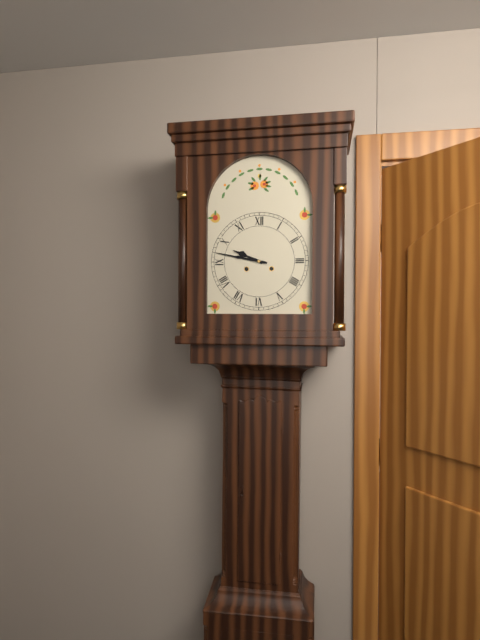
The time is 9 h 47 min
